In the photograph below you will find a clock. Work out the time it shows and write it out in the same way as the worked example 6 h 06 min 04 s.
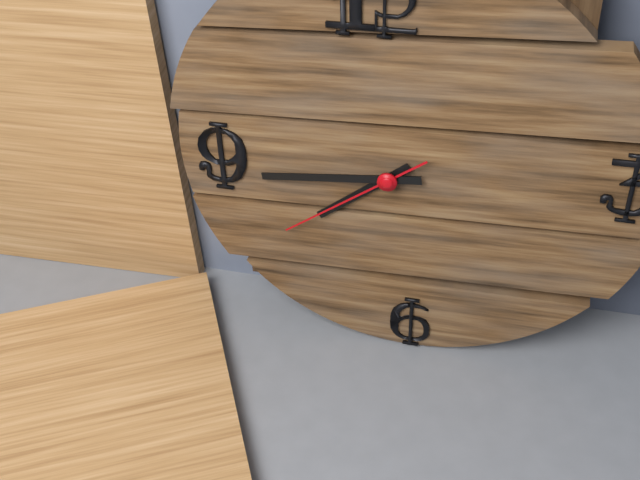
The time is 7 h 44 min 39 s
